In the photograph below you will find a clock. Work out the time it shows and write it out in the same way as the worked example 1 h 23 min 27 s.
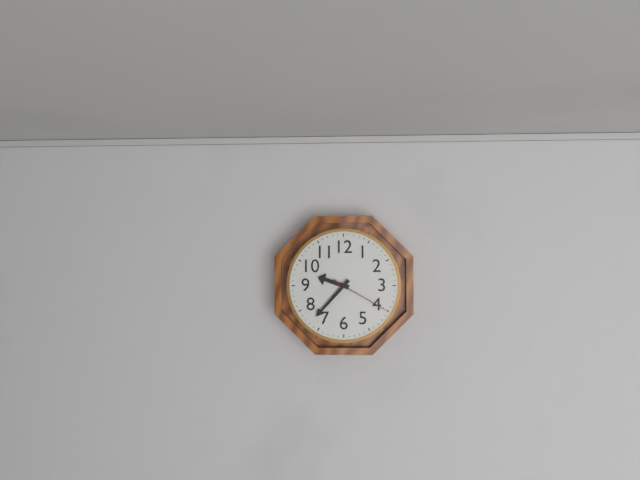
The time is 9 h 37 min 20 s
